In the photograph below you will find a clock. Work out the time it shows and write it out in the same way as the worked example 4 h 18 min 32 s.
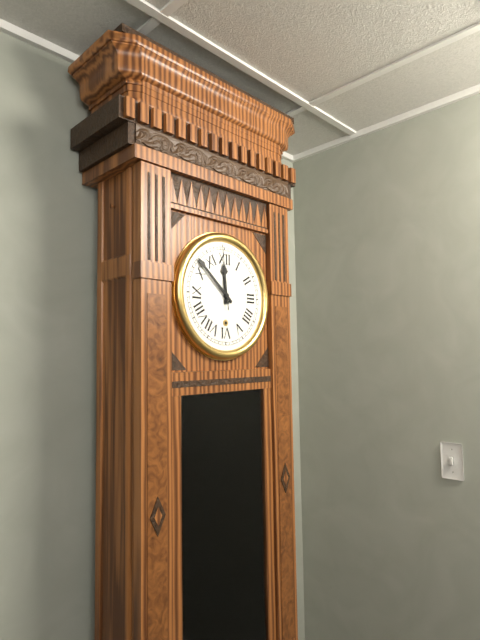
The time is 11 h 52 min 59 s
